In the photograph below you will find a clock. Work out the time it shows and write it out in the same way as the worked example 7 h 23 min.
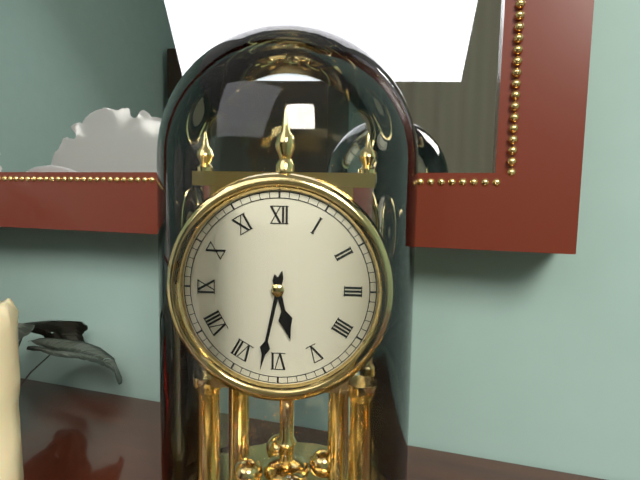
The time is 5 h 32 min
